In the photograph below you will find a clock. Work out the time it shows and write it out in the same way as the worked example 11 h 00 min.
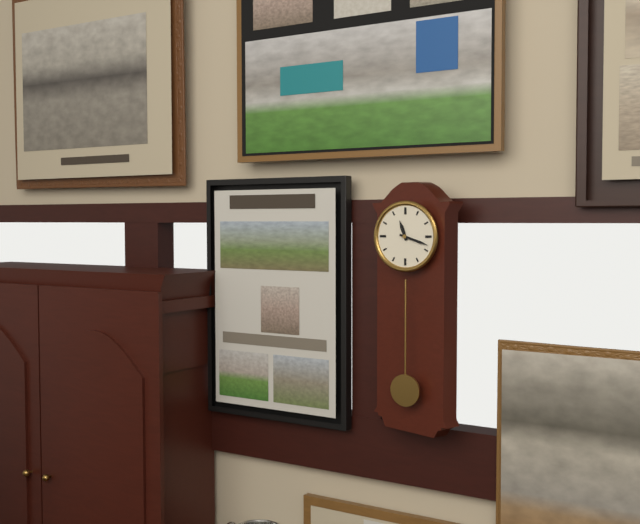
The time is 11 h 18 min
